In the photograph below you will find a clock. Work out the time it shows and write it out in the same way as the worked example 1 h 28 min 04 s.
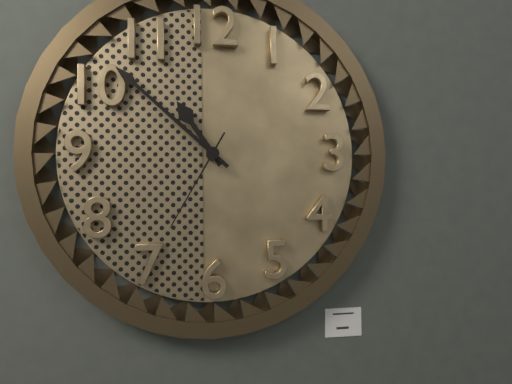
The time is 10 h 52 min 35 s
